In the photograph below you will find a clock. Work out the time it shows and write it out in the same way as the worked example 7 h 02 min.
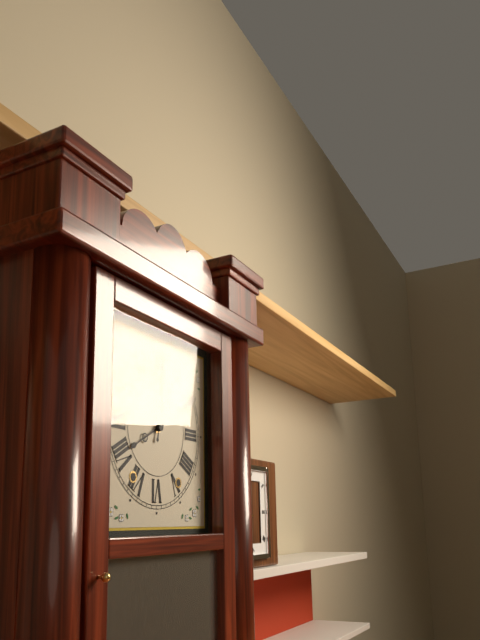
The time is 8 h 02 min
